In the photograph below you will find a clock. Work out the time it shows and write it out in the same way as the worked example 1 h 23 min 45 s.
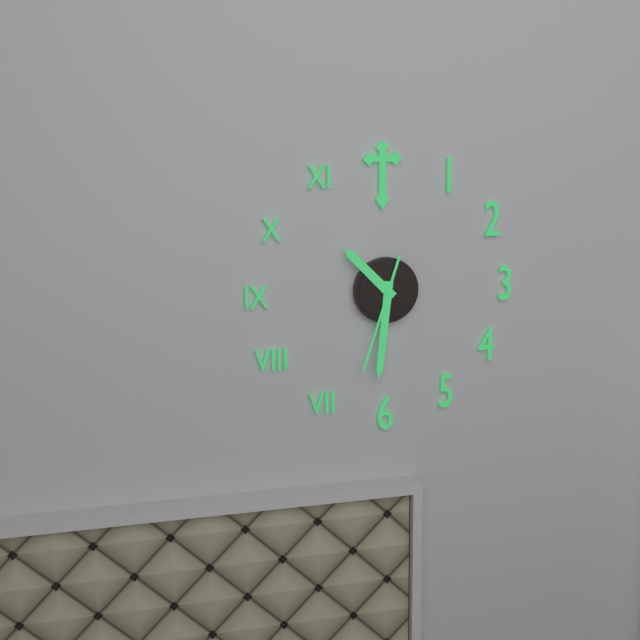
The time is 10 h 31 min 33 s
